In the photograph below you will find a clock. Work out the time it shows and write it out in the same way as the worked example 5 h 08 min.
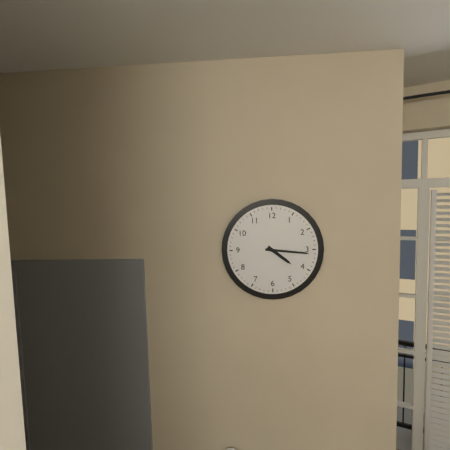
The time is 4 h 16 min
